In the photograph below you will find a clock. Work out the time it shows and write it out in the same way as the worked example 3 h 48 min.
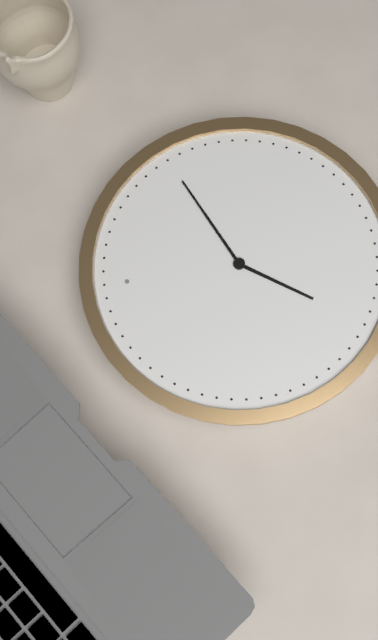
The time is 7 h 11 min
